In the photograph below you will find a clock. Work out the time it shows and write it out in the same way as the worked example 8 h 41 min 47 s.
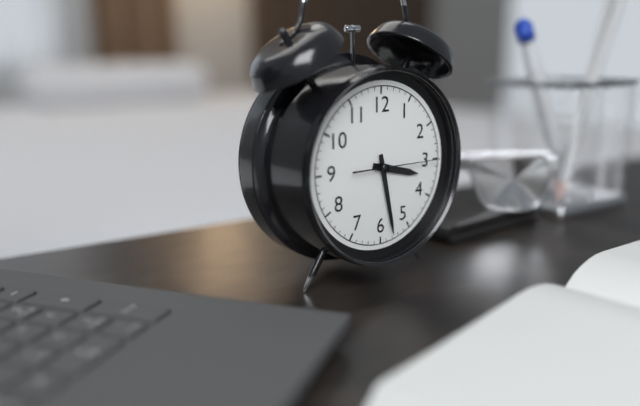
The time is 3 h 28 min 15 s
